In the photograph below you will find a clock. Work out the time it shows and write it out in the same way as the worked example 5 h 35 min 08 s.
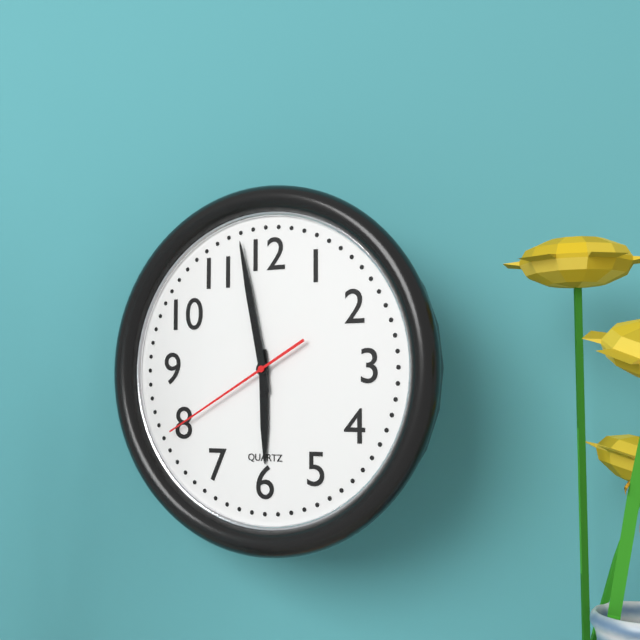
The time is 5 h 58 min 40 s
